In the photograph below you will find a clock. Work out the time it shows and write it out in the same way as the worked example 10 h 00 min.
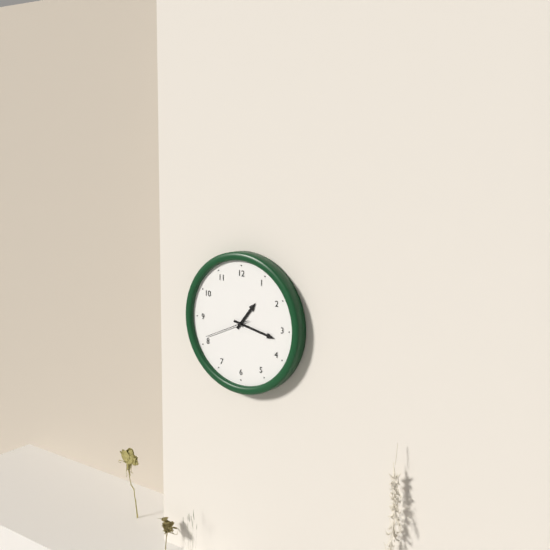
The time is 1 h 17 min
